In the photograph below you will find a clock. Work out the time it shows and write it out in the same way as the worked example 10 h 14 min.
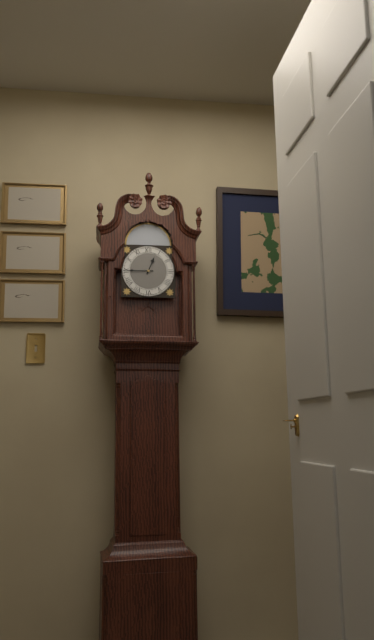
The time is 12 h 45 min
